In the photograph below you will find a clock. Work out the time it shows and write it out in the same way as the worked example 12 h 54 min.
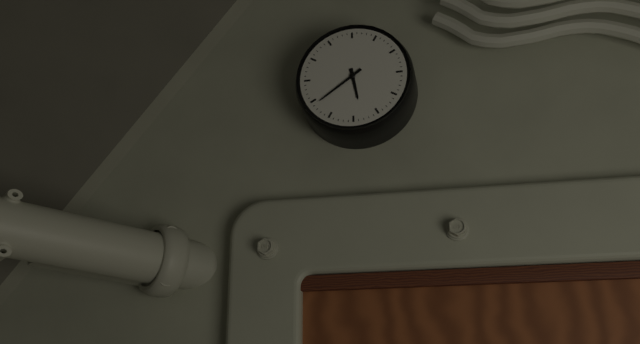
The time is 5 h 39 min
